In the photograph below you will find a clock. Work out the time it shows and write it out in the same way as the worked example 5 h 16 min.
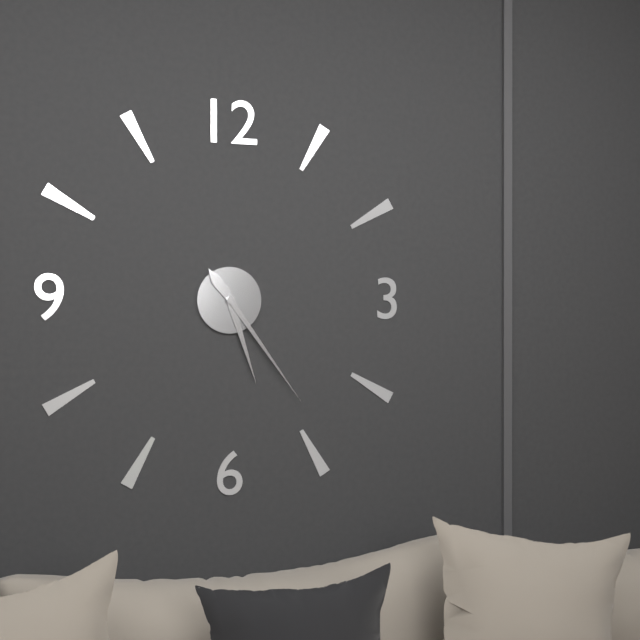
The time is 5 h 24 min
